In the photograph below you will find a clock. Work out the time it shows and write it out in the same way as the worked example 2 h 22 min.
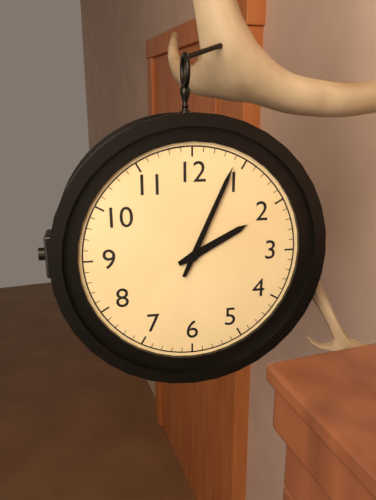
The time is 2 h 04 min
